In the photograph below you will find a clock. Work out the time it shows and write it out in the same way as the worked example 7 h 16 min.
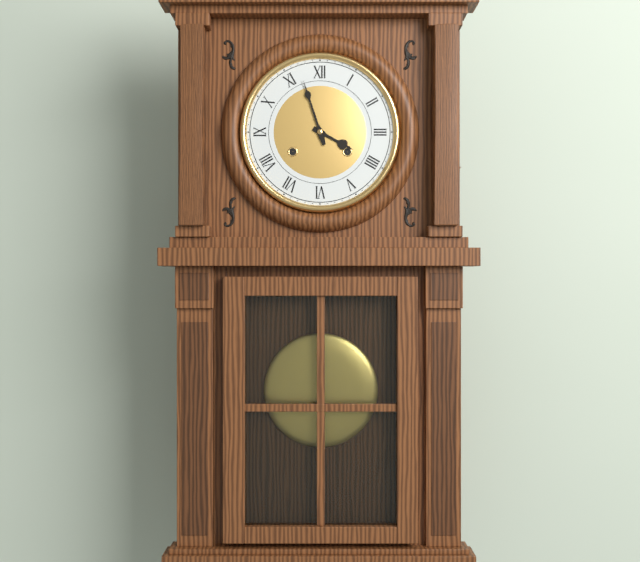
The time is 3 h 57 min
